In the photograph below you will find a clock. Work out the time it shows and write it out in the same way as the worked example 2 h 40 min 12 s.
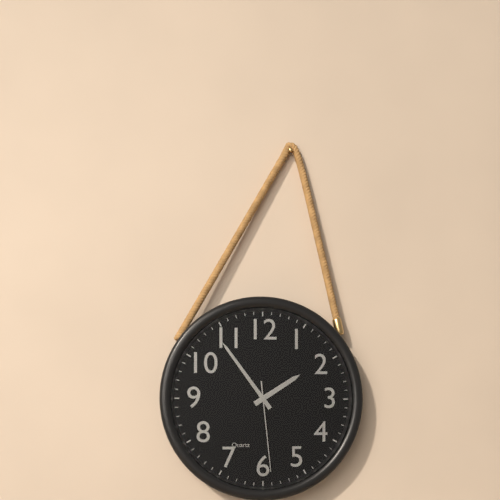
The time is 1 h 54 min 29 s
